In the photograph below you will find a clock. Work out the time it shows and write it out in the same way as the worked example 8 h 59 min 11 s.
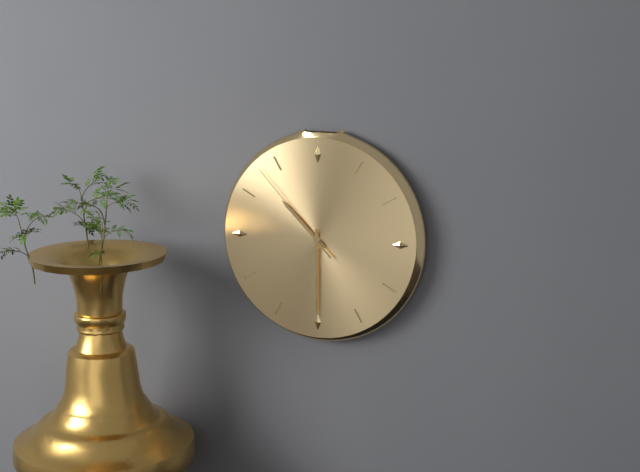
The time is 10 h 30 min 53 s
